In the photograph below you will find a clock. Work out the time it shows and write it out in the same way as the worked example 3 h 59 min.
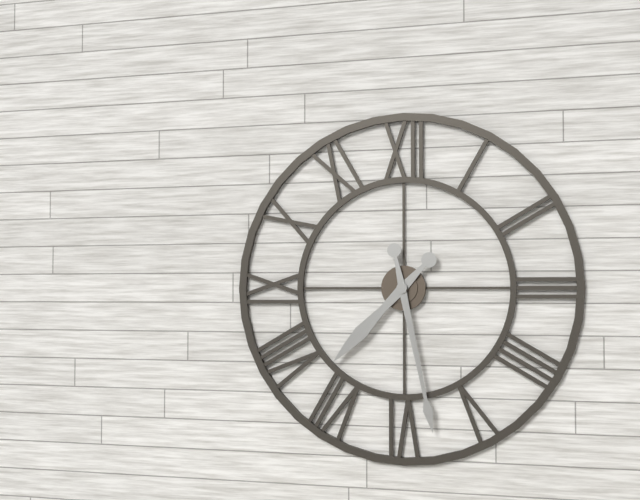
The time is 7 h 28 min
